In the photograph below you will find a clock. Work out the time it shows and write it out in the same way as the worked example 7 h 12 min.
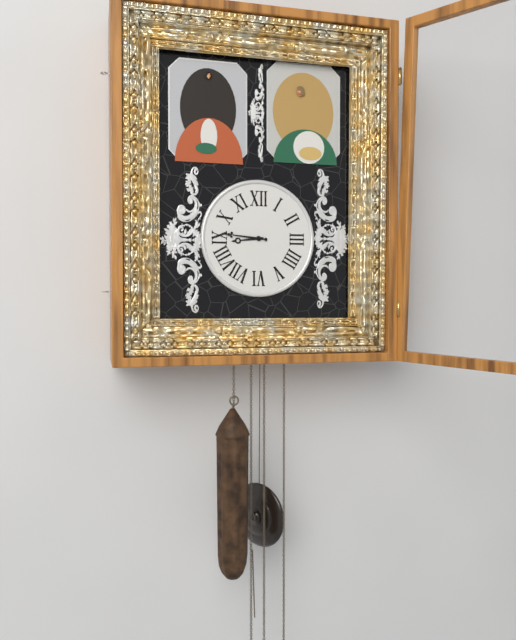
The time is 8 h 46 min
